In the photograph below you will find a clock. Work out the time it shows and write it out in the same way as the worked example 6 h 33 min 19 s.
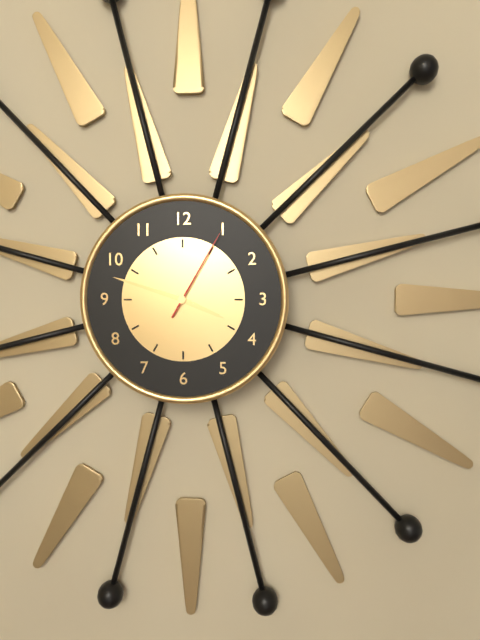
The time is 3 h 48 min 05 s
